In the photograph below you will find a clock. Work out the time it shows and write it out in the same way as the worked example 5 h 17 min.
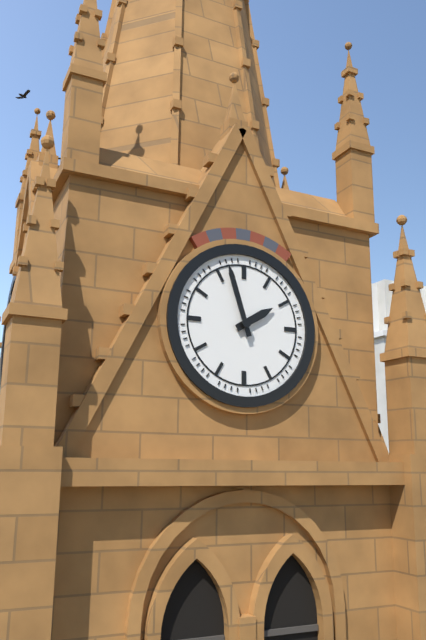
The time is 1 h 57 min
